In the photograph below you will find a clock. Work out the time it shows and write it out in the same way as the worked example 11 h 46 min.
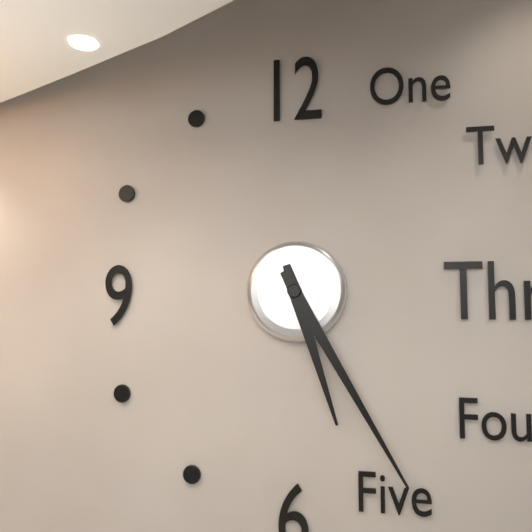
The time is 5 h 25 min
